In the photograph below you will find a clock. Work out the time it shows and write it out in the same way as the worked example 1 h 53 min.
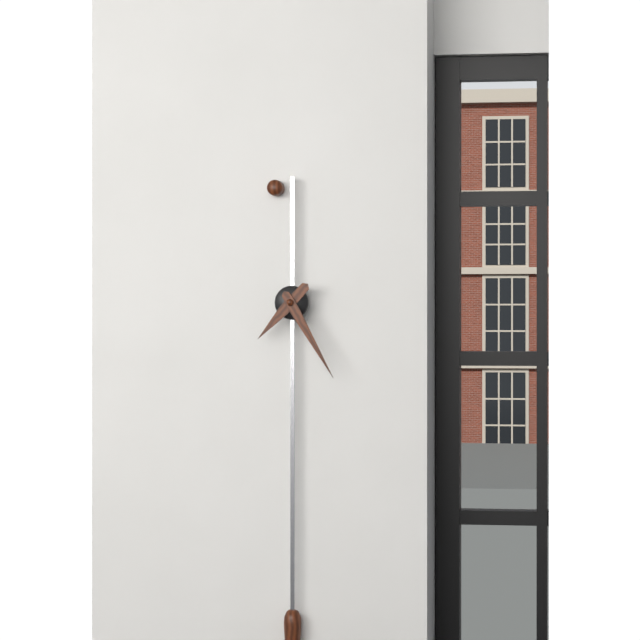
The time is 7 h 25 min
